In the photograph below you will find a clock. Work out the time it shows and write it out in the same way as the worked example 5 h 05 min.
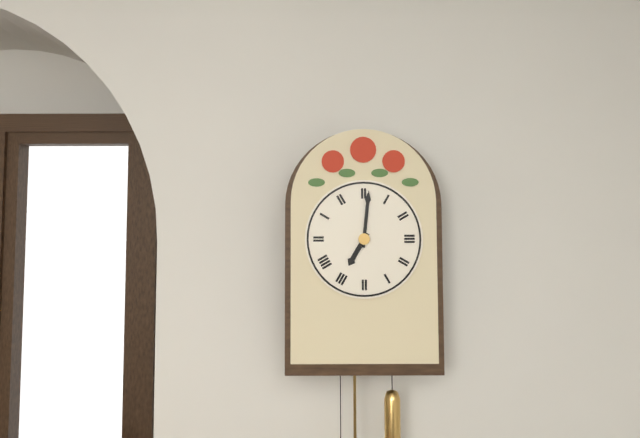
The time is 7 h 01 min
